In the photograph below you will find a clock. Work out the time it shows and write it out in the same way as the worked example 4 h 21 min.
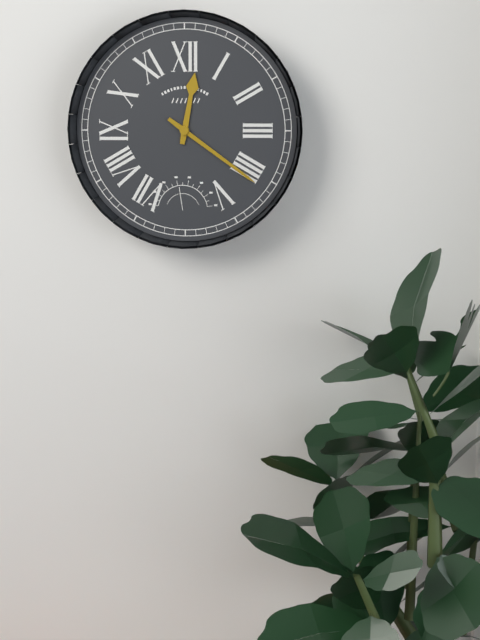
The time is 12 h 21 min
